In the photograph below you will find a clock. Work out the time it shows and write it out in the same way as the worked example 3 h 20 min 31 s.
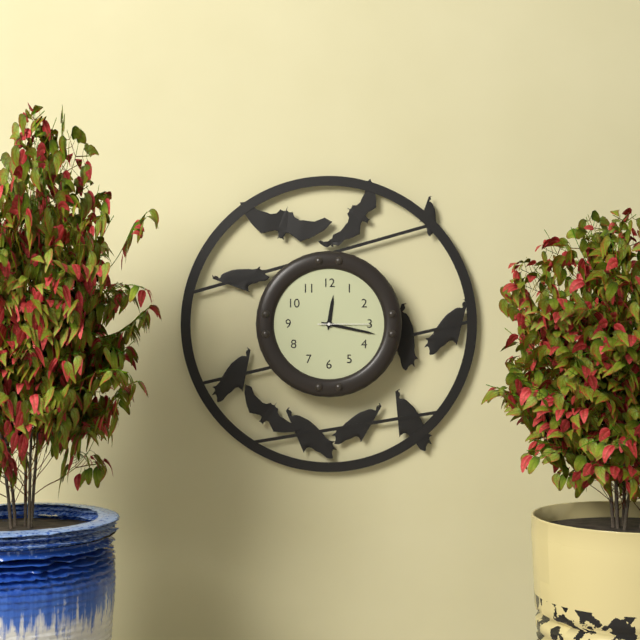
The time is 12 h 17 min 15 s
